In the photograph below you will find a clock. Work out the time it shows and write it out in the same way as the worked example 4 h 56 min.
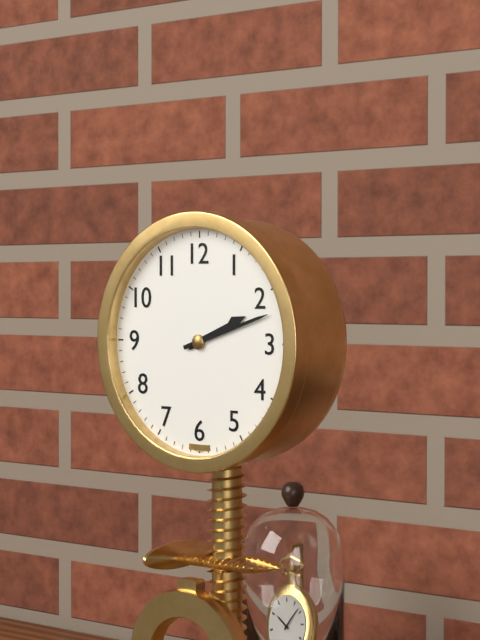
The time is 2 h 12 min
